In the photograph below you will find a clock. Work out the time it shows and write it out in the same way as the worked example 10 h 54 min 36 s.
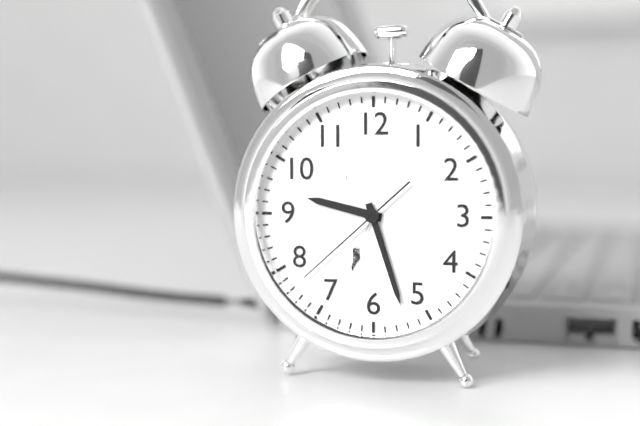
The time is 9 h 27 min 38 s
